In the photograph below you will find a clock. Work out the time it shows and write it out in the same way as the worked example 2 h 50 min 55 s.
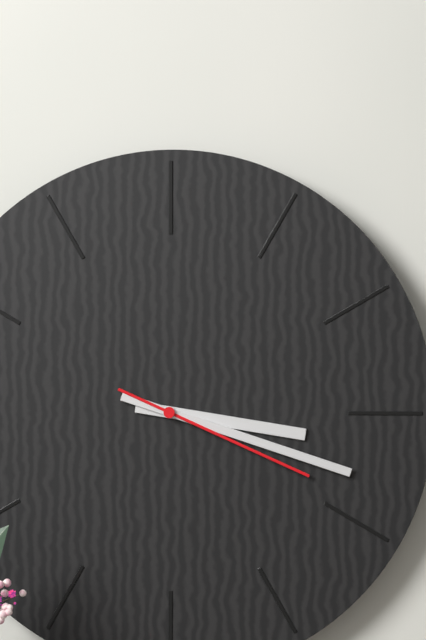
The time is 3 h 18 min 19 s
